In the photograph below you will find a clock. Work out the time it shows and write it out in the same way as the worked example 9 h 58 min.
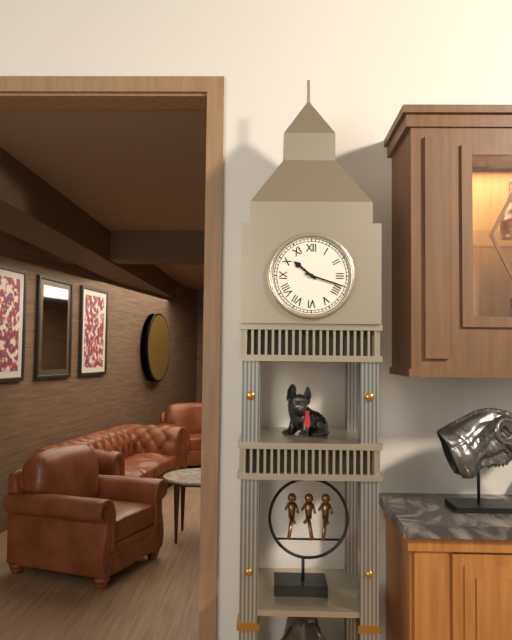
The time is 10 h 18 min
